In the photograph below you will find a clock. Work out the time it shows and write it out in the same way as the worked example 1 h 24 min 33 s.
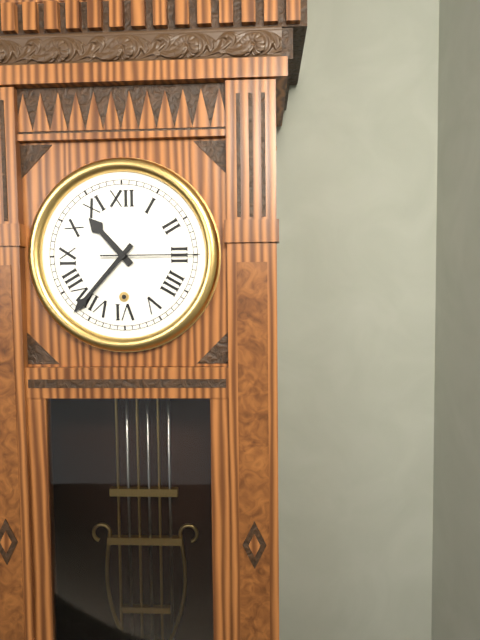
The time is 10 h 37 min 15 s
